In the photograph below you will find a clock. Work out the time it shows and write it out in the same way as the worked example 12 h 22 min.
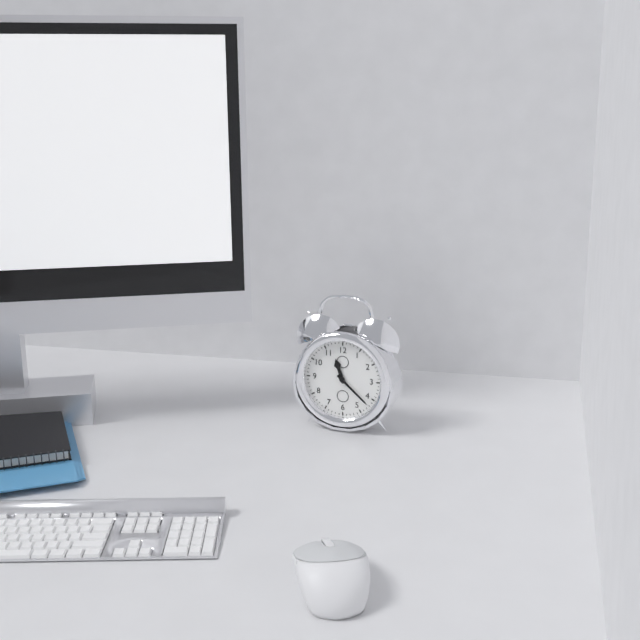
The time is 11 h 22 min
